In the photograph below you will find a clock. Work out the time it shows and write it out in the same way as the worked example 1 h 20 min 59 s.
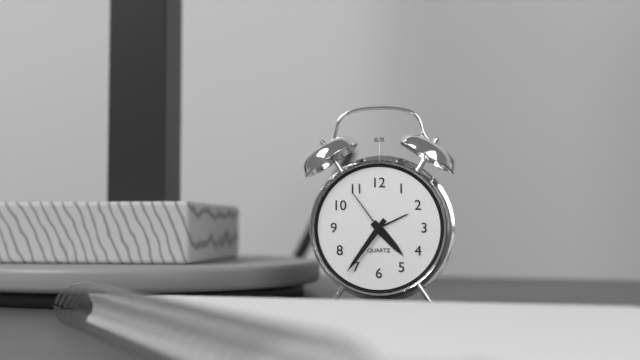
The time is 4 h 36 min 54 s
